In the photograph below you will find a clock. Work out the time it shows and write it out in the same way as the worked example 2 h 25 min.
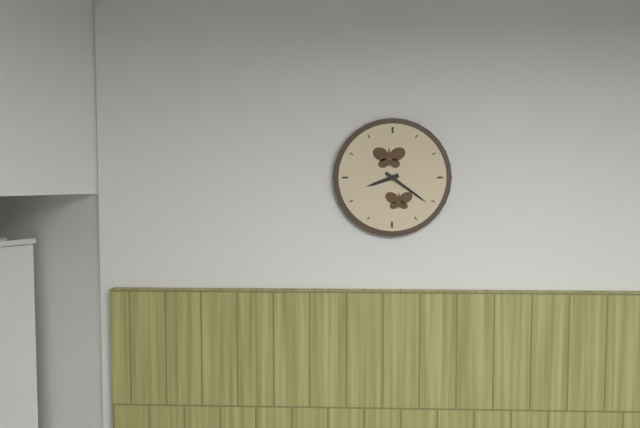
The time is 8 h 21 min
